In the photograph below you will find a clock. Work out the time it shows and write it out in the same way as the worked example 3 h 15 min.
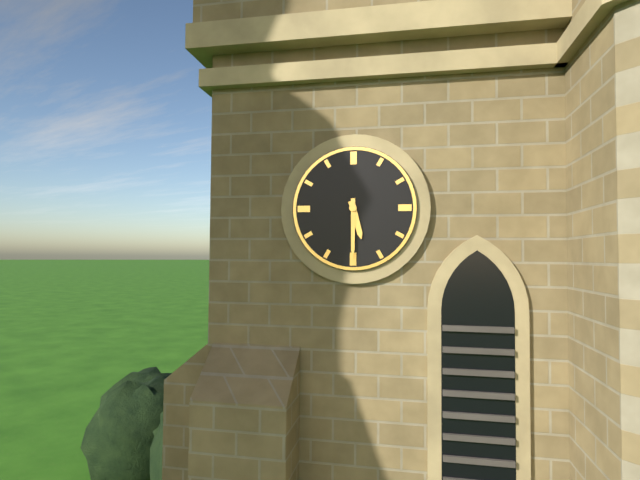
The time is 5 h 30 min
